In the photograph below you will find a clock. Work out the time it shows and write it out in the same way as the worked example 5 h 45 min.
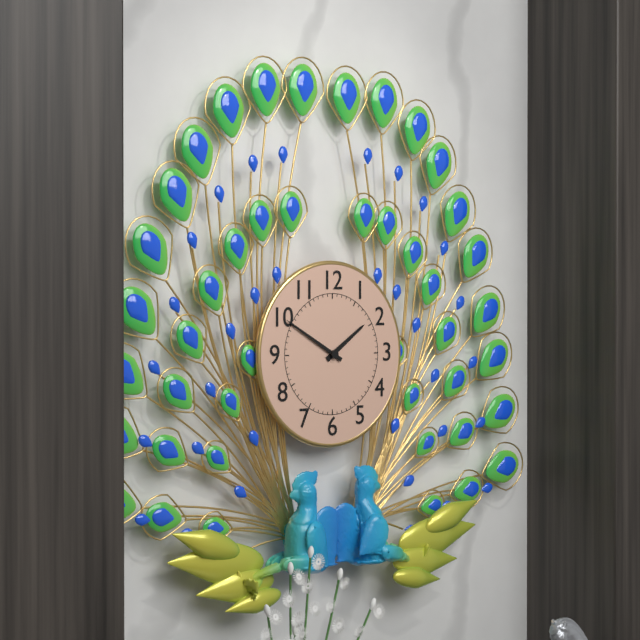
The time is 1 h 50 min
